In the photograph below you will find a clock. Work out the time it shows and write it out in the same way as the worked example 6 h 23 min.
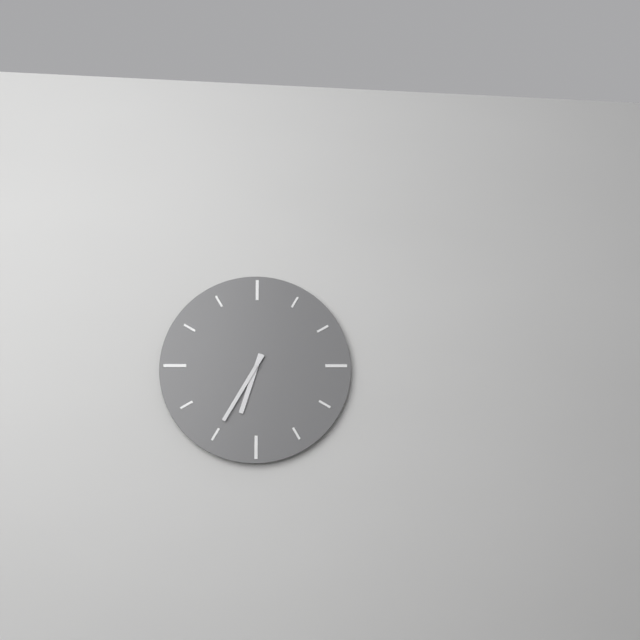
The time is 6 h 35 min
